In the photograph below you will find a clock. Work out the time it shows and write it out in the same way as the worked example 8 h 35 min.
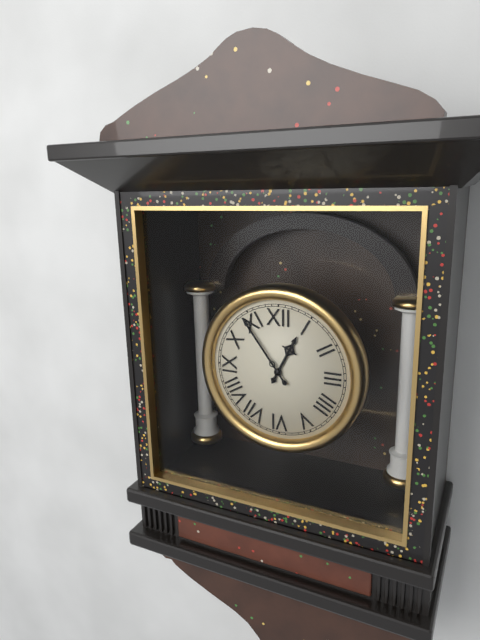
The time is 12 h 54 min
